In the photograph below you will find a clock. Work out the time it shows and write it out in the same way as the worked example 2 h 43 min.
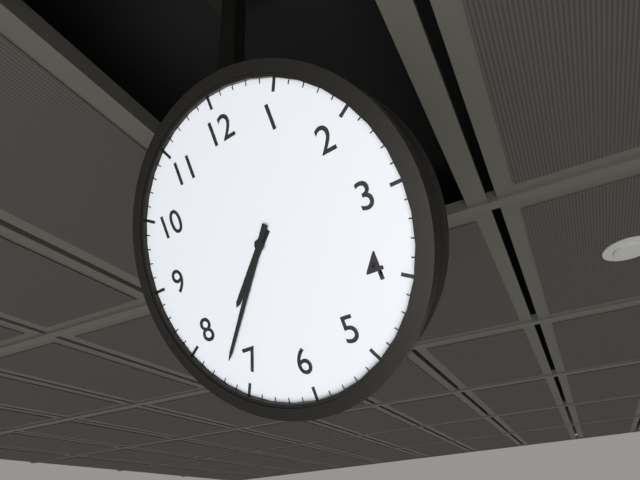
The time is 7 h 37 min
